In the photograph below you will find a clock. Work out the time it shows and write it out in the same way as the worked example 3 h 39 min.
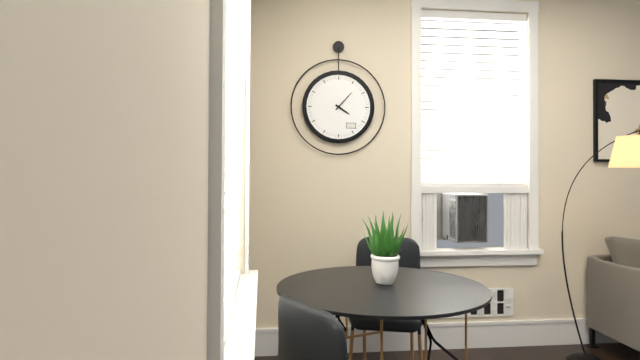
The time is 4 h 07 min
